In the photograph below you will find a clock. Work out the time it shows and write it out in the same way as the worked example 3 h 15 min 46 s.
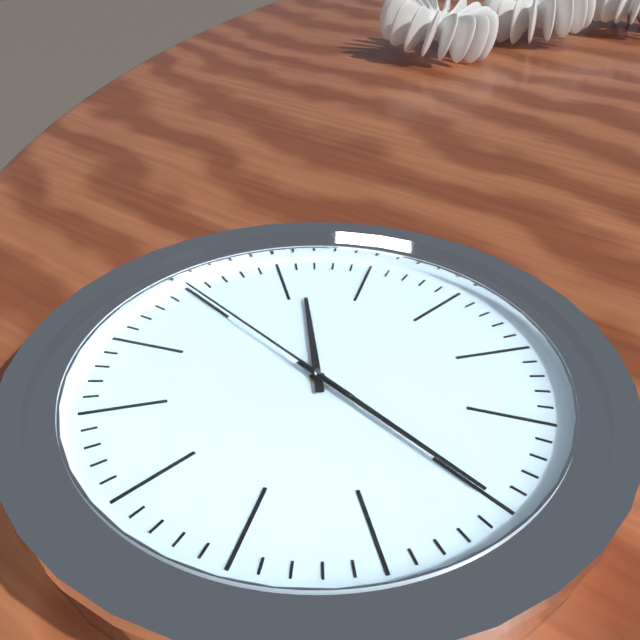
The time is 10 h 15 min 45 s
